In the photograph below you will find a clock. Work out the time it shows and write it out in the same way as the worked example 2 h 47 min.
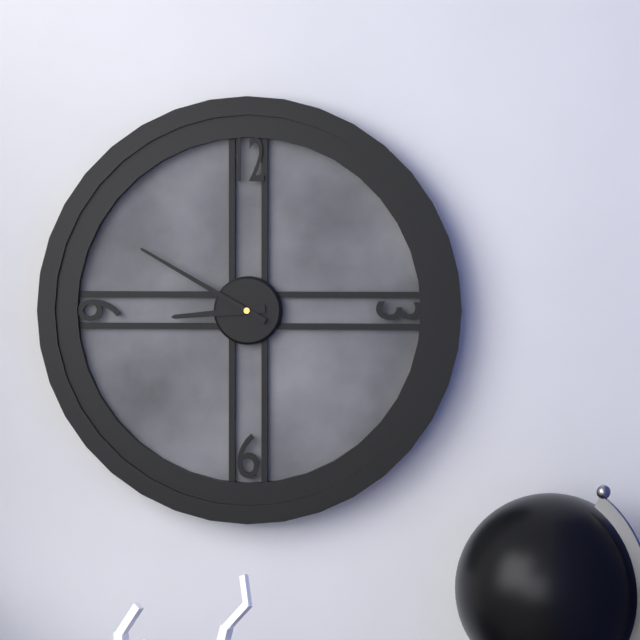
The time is 8 h 50 min
